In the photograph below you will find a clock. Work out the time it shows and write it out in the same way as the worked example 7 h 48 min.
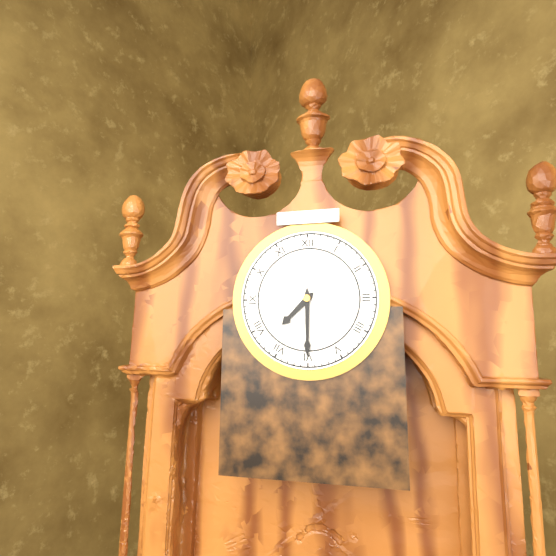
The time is 7 h 30 min
